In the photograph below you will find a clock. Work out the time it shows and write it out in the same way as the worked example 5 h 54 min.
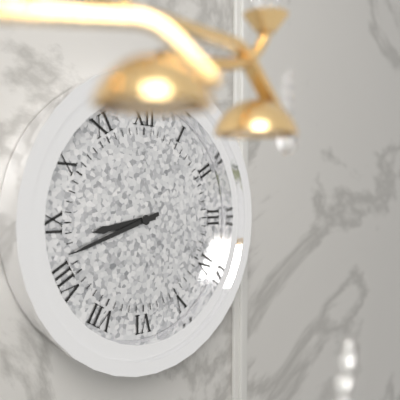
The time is 8 h 42 min
